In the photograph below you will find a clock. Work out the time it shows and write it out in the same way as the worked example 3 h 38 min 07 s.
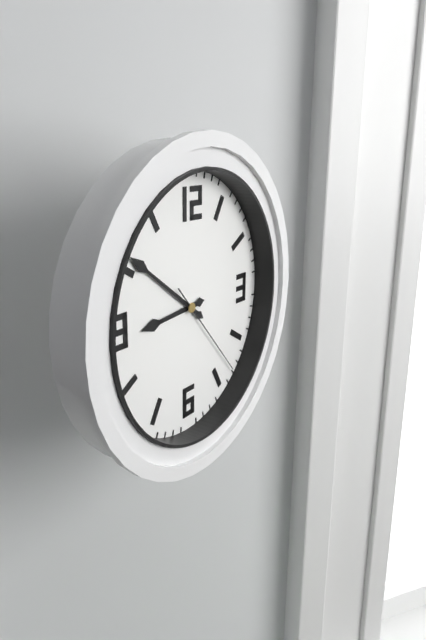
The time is 8 h 51 min 23 s
